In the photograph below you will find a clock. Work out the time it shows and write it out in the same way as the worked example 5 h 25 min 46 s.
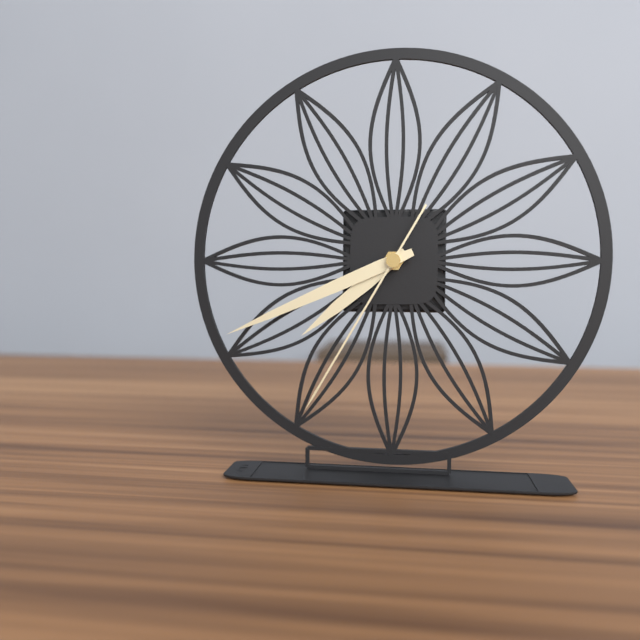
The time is 7 h 41 min 35 s
